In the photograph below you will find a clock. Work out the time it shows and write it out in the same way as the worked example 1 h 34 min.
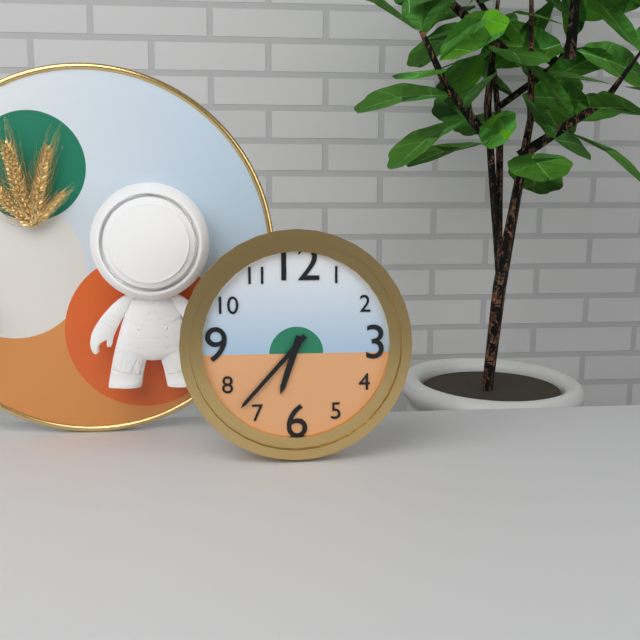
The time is 6 h 37 min
